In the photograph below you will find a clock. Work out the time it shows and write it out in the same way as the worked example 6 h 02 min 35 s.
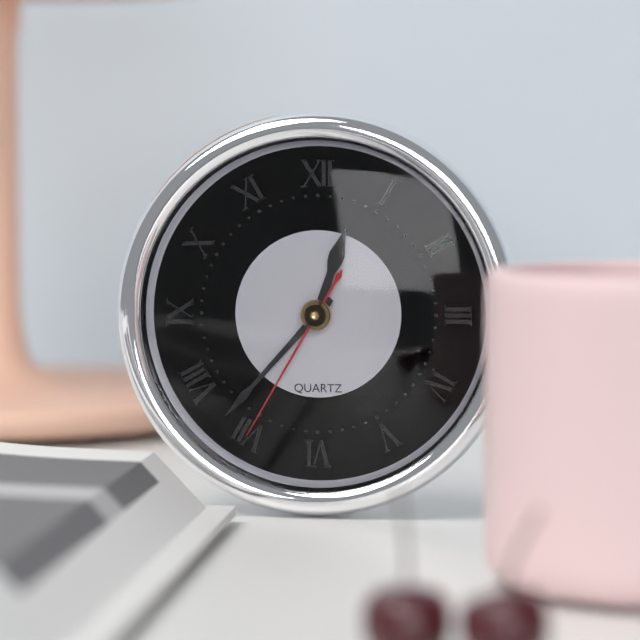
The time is 12 h 37 min 35 s
